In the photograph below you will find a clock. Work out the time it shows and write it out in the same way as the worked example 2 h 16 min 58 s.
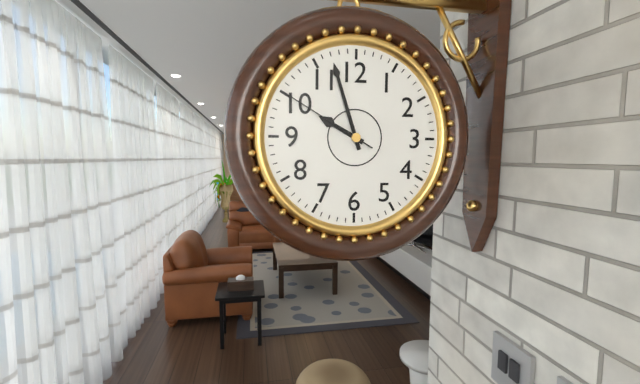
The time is 9 h 57 min 50 s
